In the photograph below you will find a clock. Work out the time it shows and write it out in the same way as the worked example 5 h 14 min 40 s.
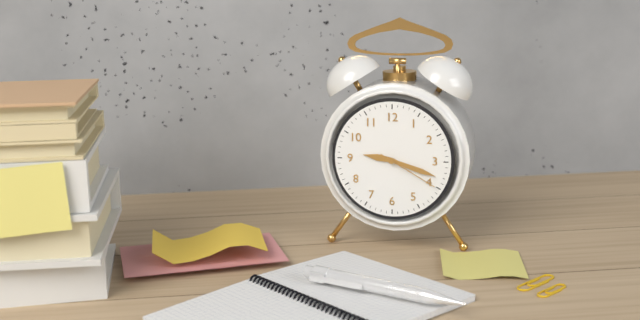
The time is 9 h 18 min 20 s
